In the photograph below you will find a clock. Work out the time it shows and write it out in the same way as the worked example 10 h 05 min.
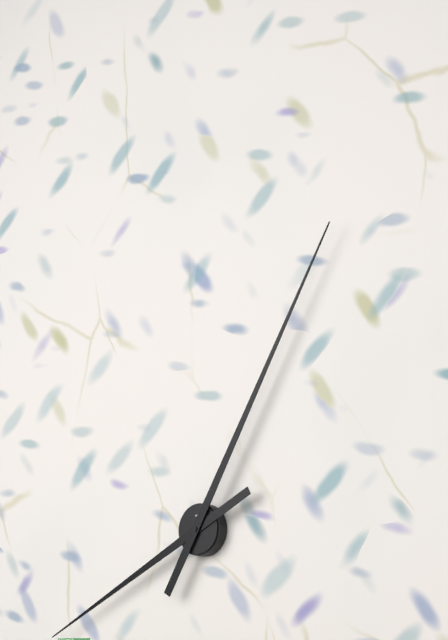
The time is 8 h 05 min
